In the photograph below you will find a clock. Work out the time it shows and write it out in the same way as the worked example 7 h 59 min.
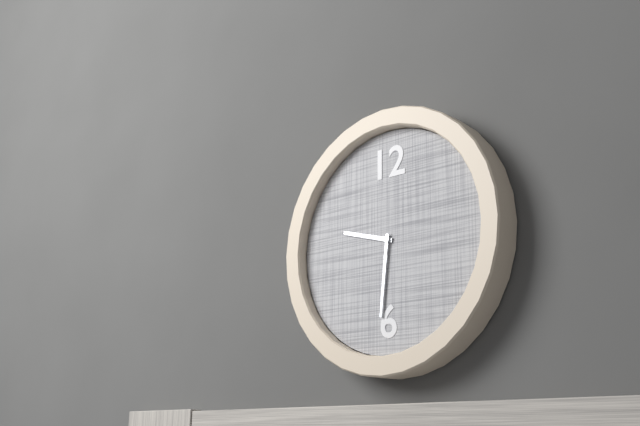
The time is 9 h 31 min
